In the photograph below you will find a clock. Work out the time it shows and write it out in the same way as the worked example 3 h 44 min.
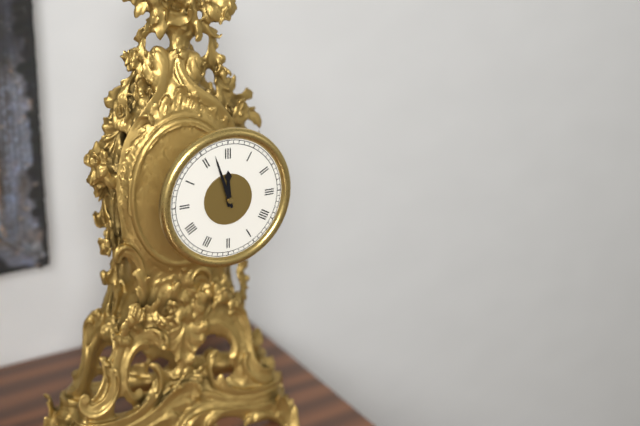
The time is 11 h 57 min
